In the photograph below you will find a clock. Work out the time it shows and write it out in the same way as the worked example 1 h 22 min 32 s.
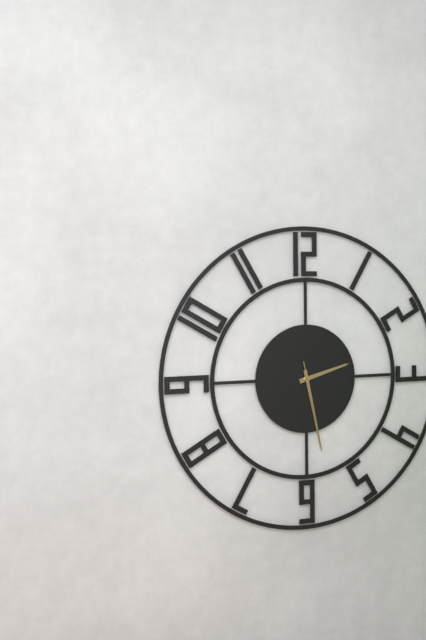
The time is 2 h 28 min 28 s
